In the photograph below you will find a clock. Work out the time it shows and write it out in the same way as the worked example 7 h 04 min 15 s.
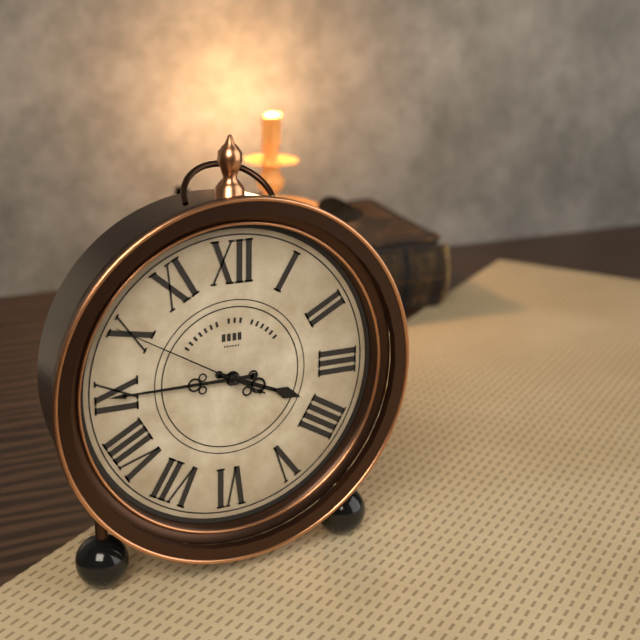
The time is 3 h 45 min 50 s
